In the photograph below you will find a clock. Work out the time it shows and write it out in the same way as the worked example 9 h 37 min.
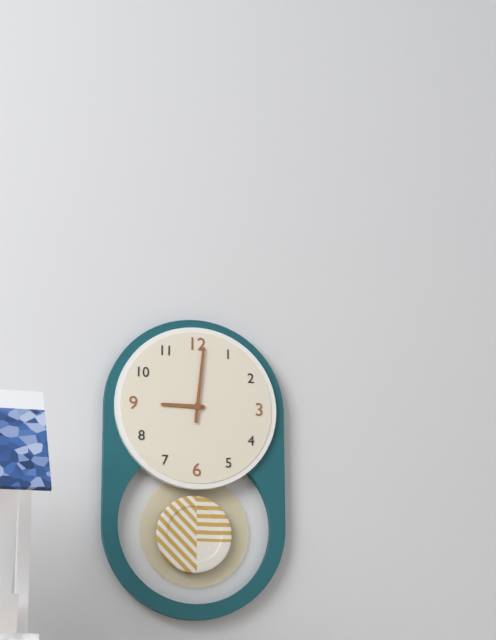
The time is 9 h 01 min
